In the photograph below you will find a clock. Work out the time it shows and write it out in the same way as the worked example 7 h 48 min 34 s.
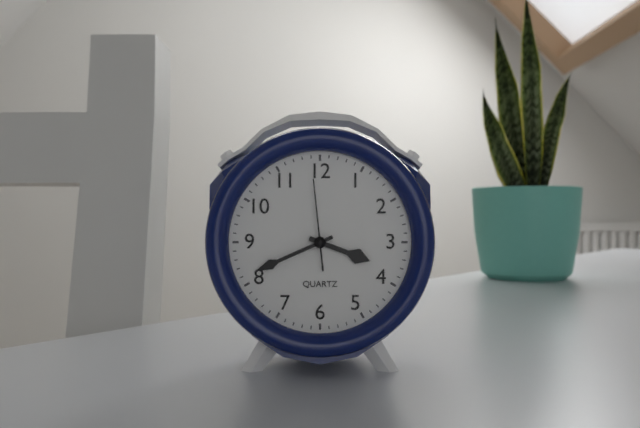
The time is 3 h 41 min 59 s
